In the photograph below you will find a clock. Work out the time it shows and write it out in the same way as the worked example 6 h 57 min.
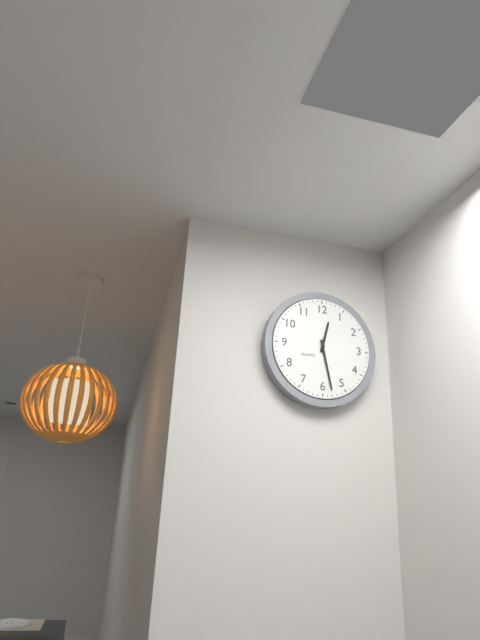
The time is 12 h 28 min
